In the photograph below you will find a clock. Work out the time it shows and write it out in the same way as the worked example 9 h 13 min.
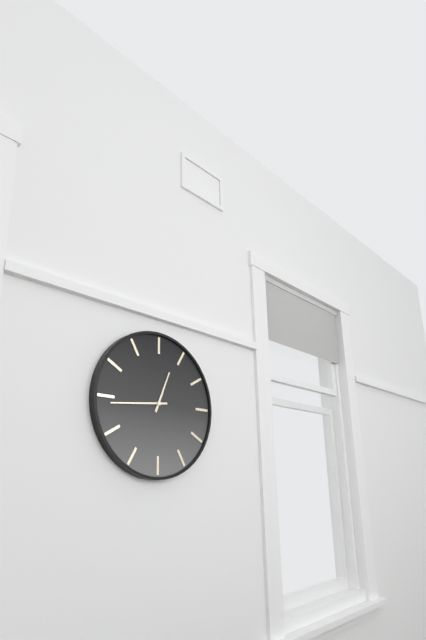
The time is 12 h 44 min
